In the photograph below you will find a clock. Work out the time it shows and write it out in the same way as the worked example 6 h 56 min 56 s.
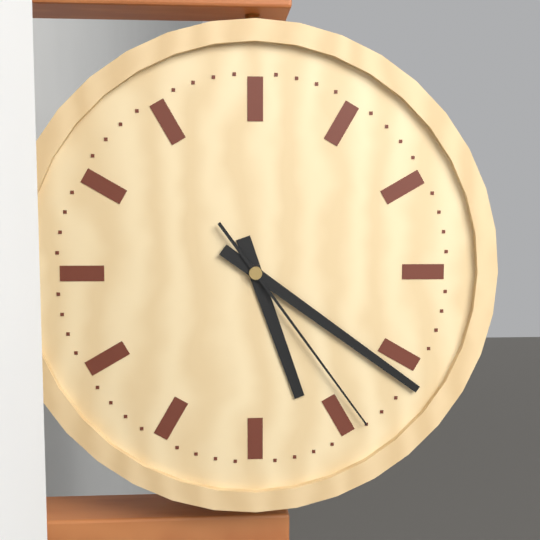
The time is 5 h 21 min 24 s
